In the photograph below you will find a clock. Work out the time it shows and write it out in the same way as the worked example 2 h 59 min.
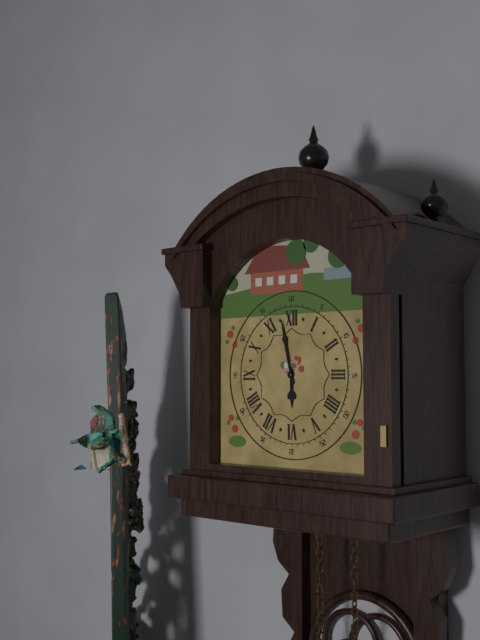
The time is 5 h 58 min
